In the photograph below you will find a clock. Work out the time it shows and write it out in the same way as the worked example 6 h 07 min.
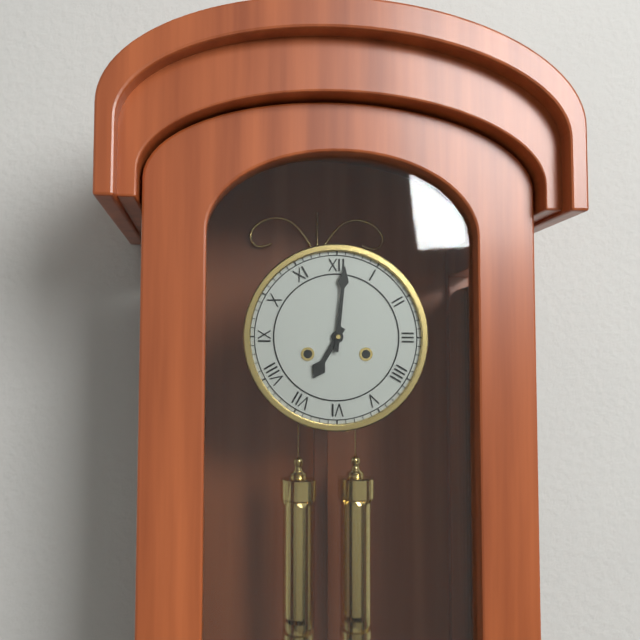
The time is 7 h 01 min
